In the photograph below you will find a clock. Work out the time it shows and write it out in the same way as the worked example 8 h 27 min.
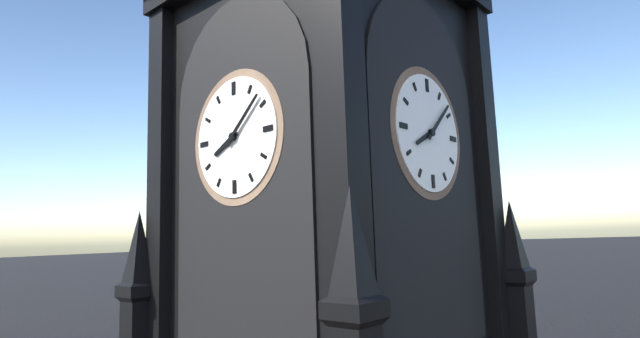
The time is 8 h 08 min
